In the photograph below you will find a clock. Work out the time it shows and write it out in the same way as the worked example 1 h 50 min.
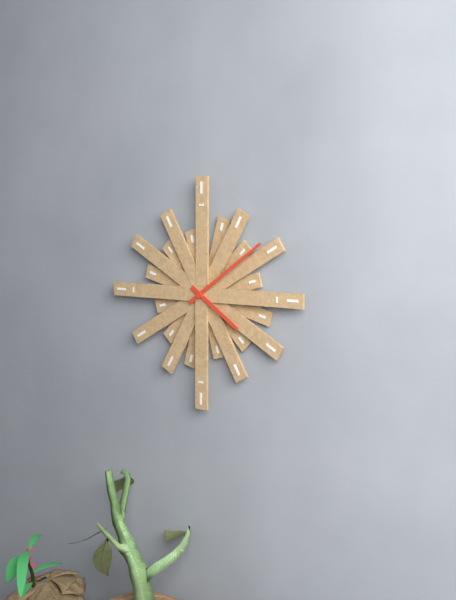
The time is 4 h 09 min
